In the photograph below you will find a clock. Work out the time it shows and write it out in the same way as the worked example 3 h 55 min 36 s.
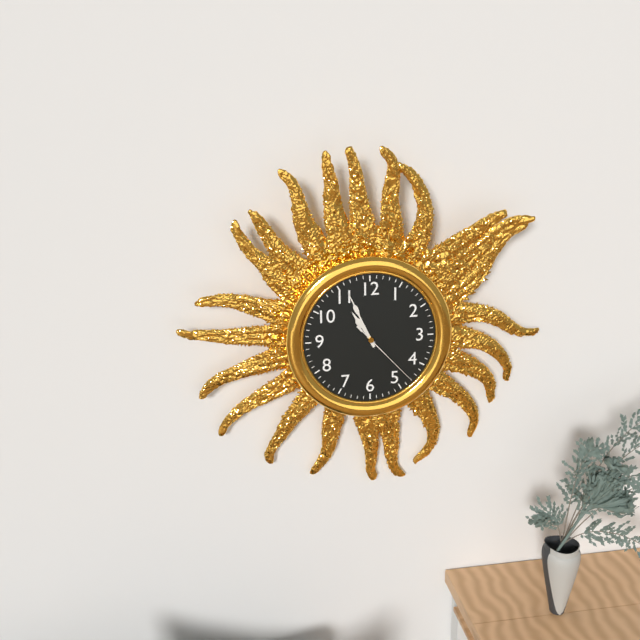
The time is 10 h 56 min 23 s
